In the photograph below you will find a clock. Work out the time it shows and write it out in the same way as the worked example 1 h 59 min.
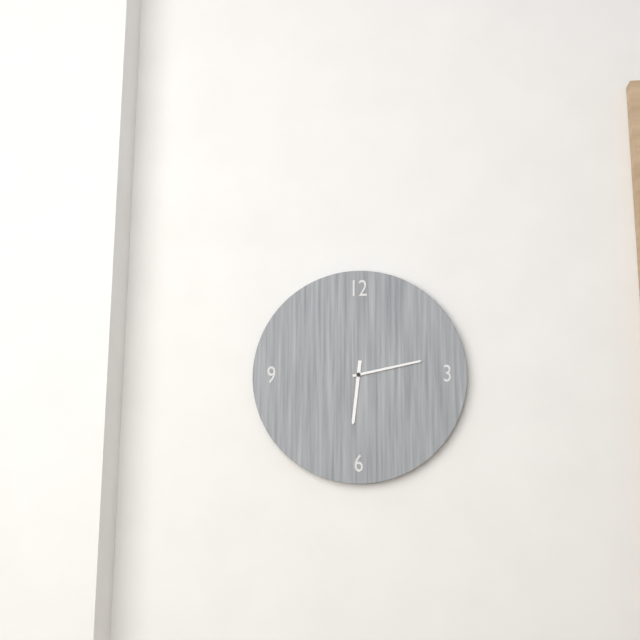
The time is 6 h 13 min
